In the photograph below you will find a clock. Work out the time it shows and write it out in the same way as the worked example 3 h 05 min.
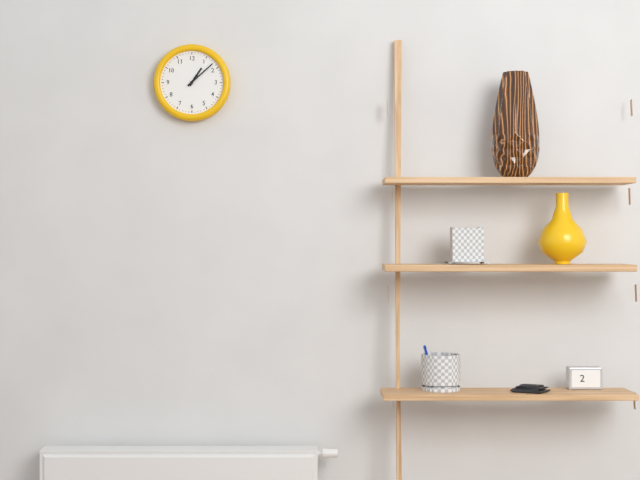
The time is 1 h 08 min
